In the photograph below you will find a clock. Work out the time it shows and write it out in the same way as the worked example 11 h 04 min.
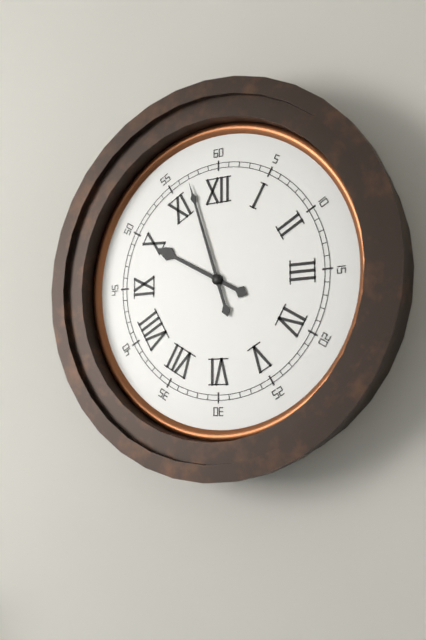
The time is 9 h 57 min
